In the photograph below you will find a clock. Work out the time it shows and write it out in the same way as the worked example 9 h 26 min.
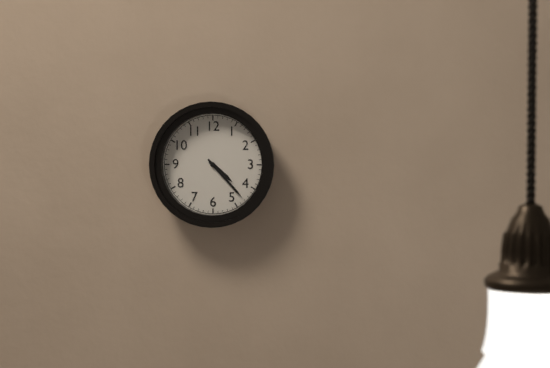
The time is 4 h 23 min
